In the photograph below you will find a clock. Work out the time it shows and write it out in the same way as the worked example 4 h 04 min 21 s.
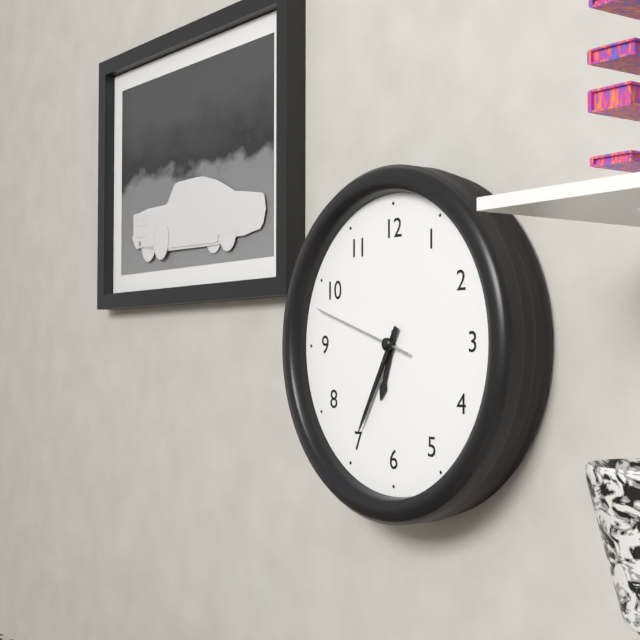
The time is 6 h 35 min 48 s
